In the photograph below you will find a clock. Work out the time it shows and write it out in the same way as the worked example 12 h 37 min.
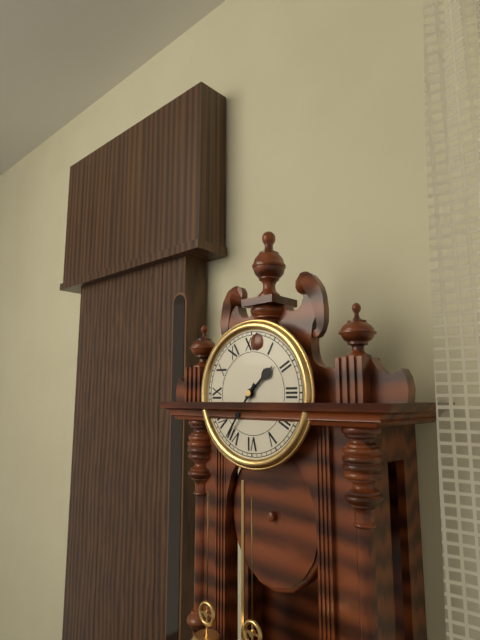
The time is 1 h 36 min
